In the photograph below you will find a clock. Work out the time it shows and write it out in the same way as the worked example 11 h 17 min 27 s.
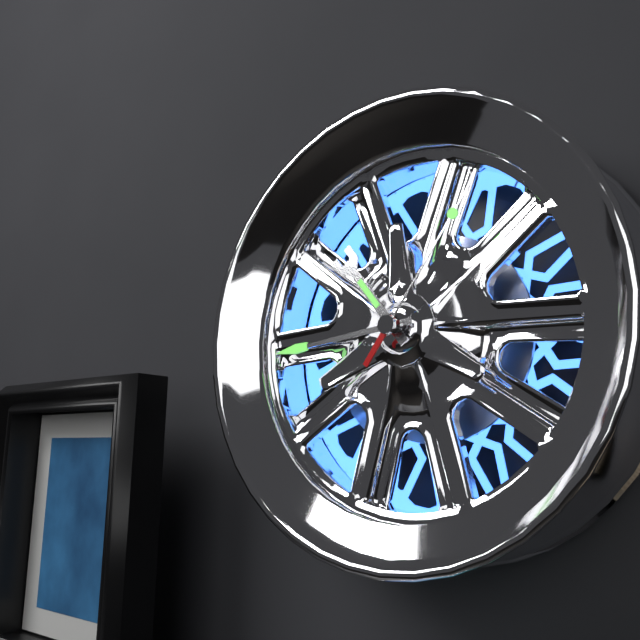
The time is 10 h 44 min 06 s
